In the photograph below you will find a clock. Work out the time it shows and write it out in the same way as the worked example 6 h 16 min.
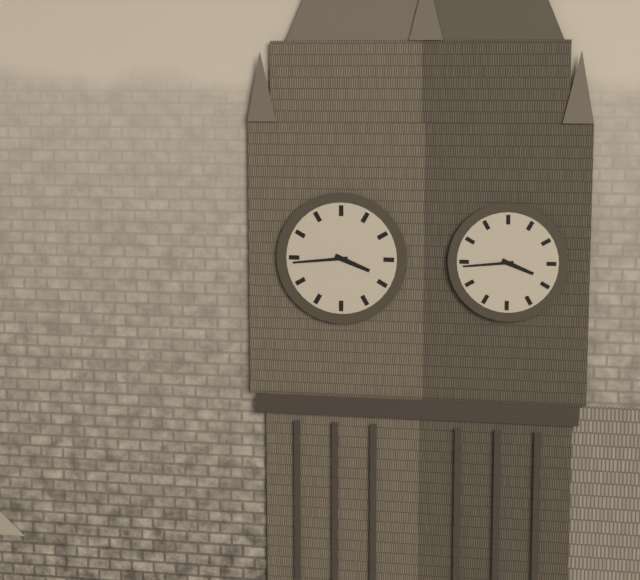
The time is 3 h 44 min
